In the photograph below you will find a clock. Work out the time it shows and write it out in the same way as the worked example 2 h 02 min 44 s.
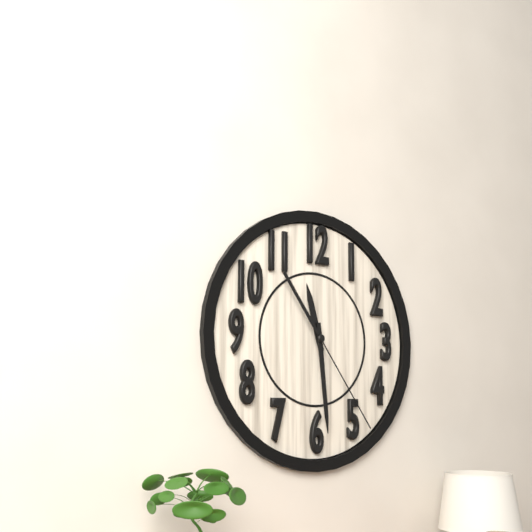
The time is 11 h 29 min 24 s
